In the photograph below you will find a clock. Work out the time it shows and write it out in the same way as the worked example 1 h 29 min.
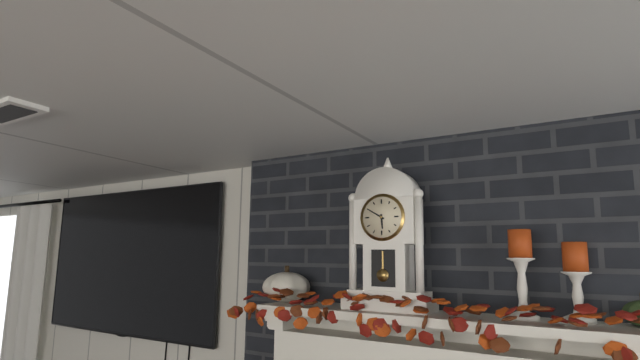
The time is 5 h 50 min
